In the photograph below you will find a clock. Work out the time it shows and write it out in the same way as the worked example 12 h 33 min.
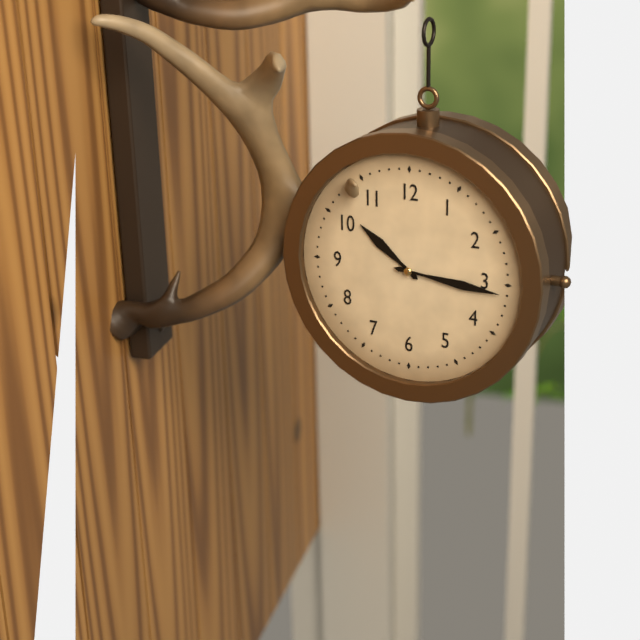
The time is 10 h 16 min
